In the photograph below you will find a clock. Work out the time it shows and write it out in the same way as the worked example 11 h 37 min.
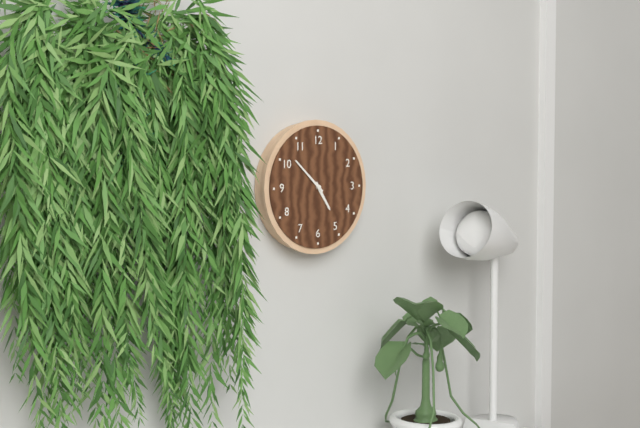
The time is 4 h 52 min
